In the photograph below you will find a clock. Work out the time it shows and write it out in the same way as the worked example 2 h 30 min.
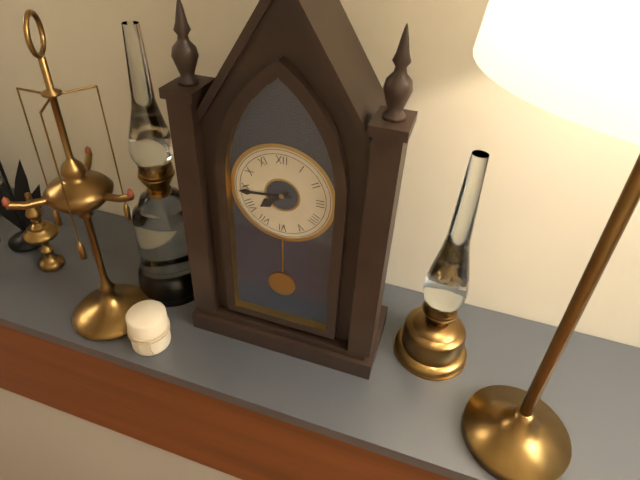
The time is 7 h 44 min
